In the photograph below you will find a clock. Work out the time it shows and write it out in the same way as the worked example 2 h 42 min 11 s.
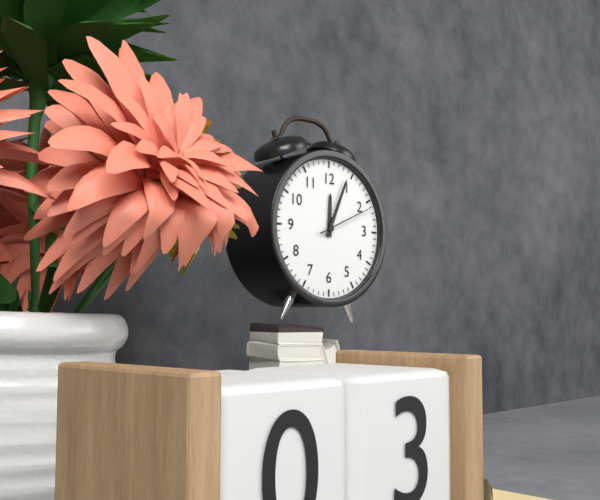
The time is 12 h 04 min 11 s
